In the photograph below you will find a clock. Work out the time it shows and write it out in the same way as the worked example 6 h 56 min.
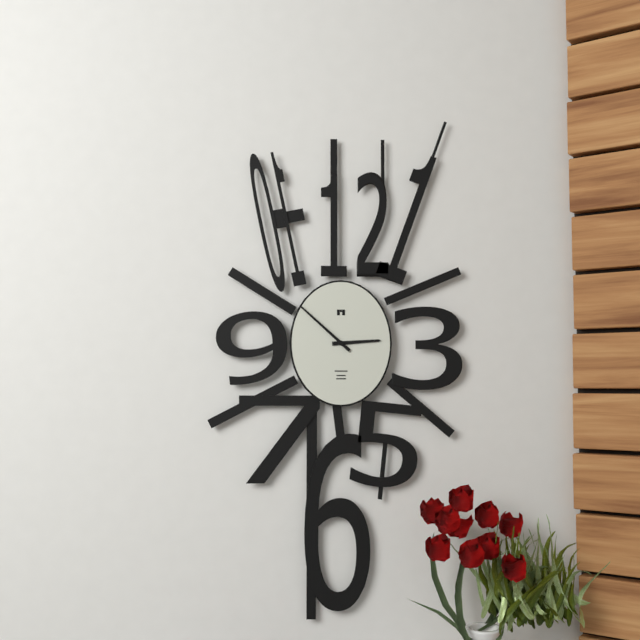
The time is 2 h 52 min
